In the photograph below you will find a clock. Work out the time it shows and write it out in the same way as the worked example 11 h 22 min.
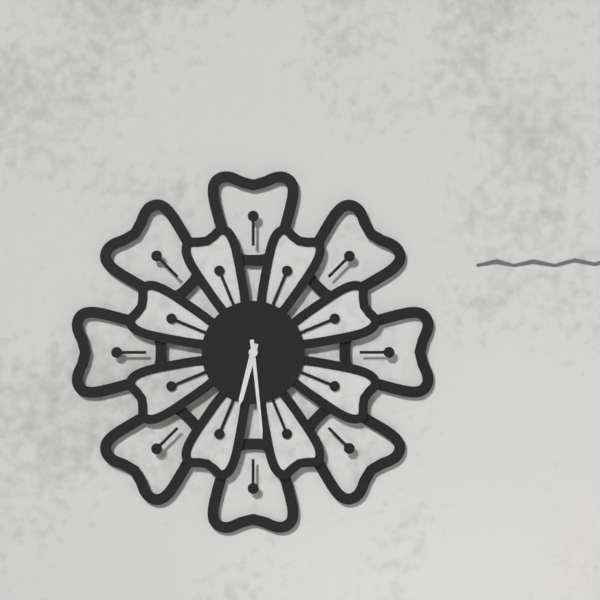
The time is 6 h 29 min
